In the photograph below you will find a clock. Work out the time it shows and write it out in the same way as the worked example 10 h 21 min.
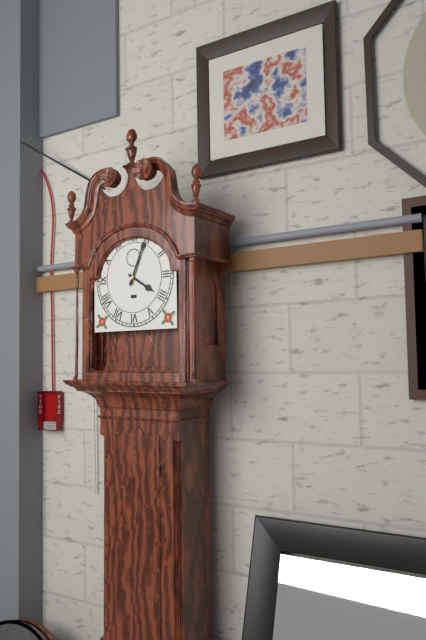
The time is 4 h 04 min
